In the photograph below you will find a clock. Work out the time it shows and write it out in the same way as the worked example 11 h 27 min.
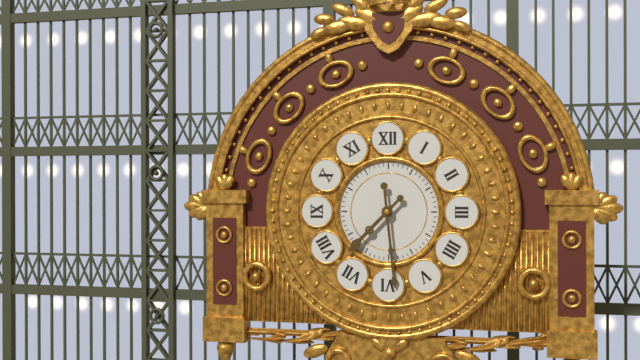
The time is 7 h 29 min
